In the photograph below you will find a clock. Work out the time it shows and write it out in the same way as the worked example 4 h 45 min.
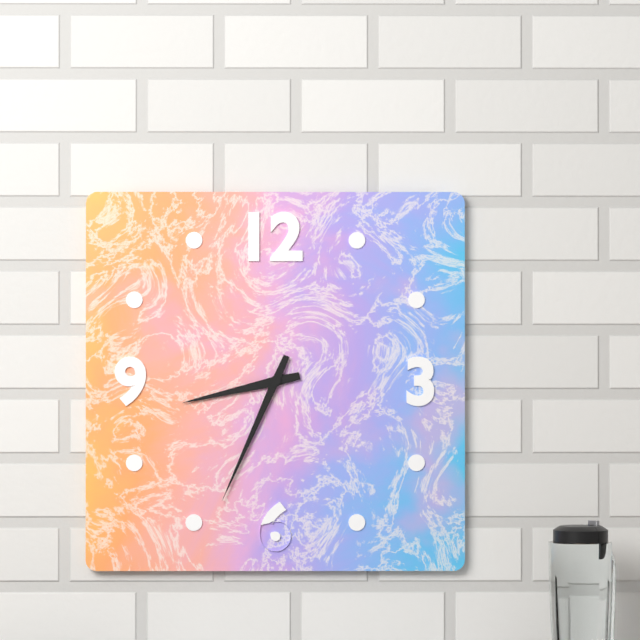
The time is 8 h 34 min
